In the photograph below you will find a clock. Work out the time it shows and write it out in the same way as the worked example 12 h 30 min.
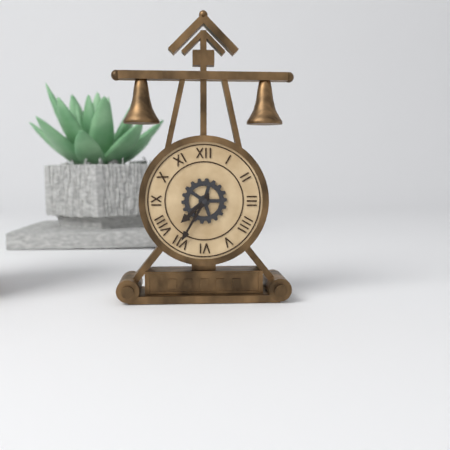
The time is 7 h 35 min
